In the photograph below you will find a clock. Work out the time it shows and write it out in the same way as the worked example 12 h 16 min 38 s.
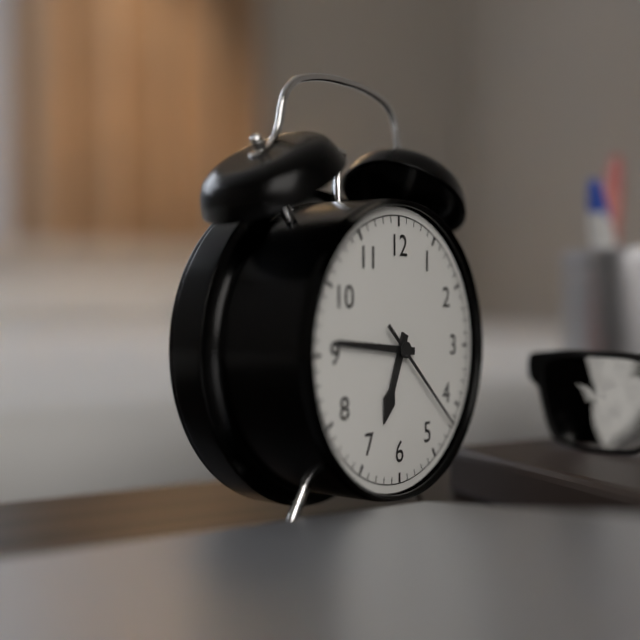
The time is 6 h 46 min 22 s
